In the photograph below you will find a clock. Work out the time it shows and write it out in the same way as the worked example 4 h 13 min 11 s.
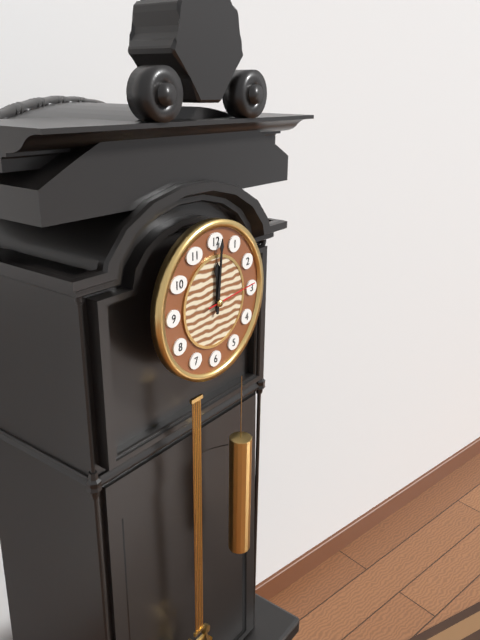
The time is 12 h 01 min 14 s
